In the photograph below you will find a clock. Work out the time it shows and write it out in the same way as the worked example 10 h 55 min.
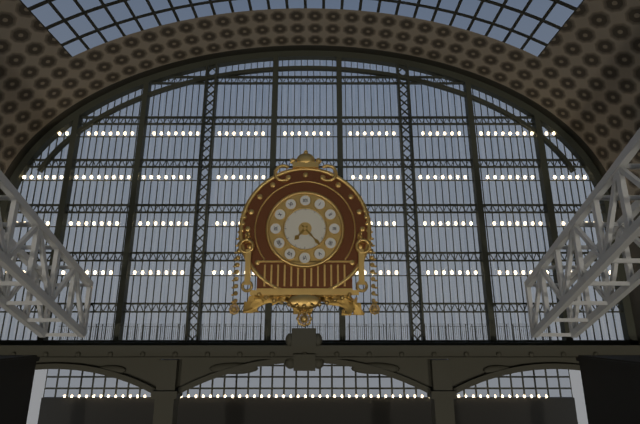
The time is 7 h 23 min
